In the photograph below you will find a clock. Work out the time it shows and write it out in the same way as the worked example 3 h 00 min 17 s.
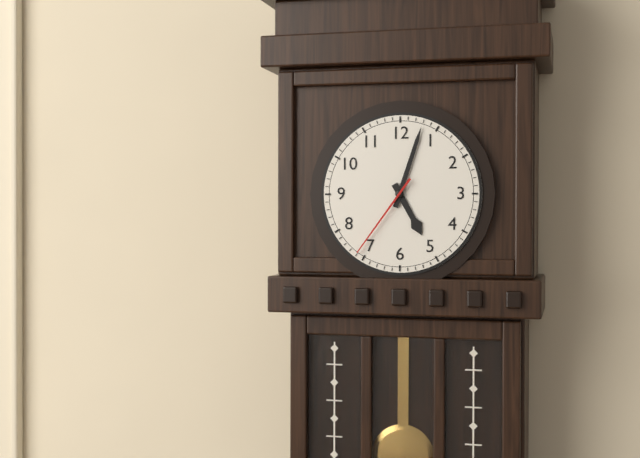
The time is 5 h 03 min 36 s
